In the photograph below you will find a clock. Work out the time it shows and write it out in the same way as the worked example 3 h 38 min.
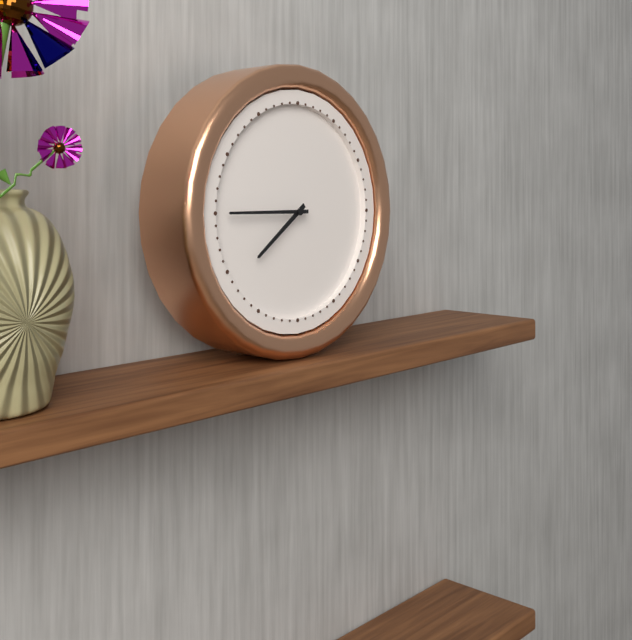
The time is 7 h 45 min
